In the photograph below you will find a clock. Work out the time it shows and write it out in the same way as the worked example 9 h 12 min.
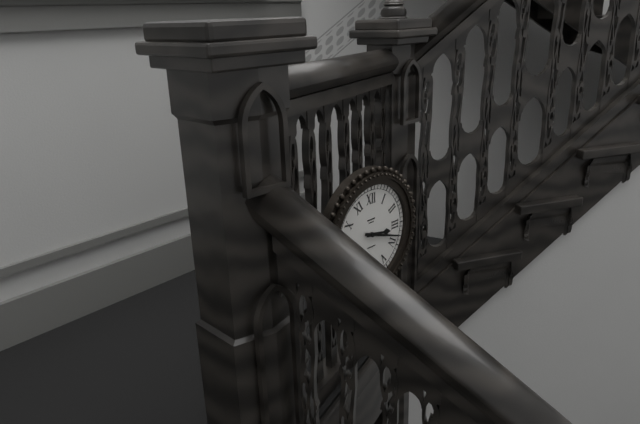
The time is 3 h 18 min
